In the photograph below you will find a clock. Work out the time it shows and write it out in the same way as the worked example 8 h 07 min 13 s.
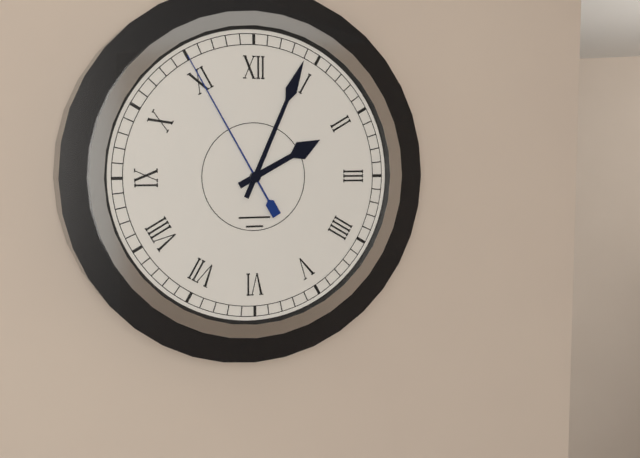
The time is 2 h 04 min 55 s
